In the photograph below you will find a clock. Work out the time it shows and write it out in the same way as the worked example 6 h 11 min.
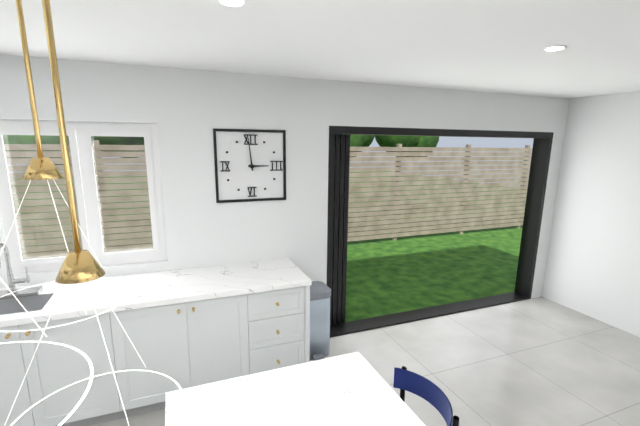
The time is 2 h 59 min
